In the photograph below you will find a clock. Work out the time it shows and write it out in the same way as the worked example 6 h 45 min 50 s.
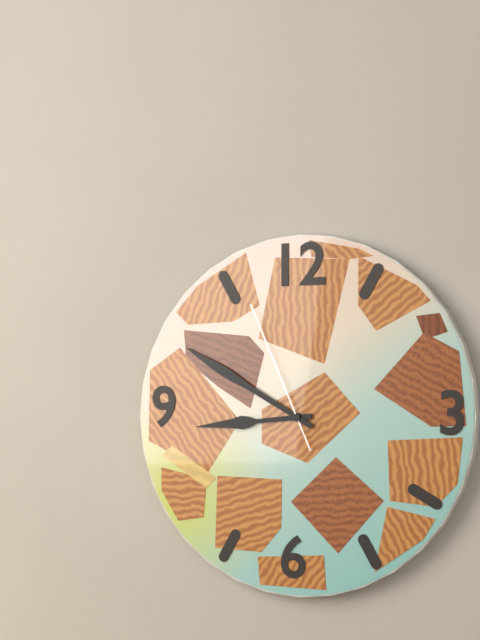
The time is 8 h 50 min 56 s
